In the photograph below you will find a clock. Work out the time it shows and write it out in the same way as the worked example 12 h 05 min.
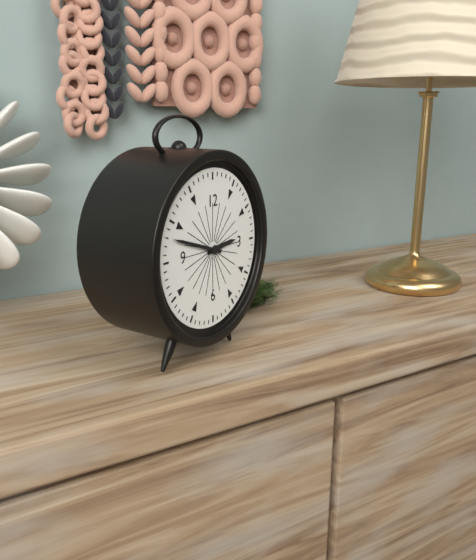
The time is 2 h 48 min
